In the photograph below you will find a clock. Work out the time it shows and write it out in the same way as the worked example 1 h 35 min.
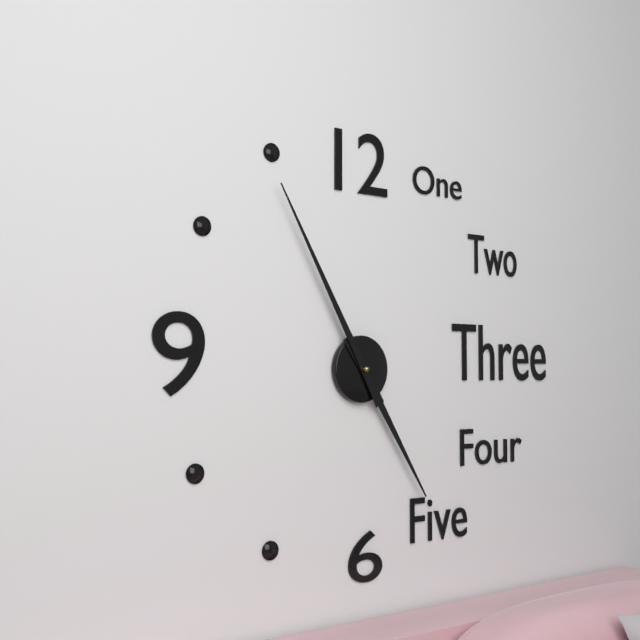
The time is 4 h 55 min
